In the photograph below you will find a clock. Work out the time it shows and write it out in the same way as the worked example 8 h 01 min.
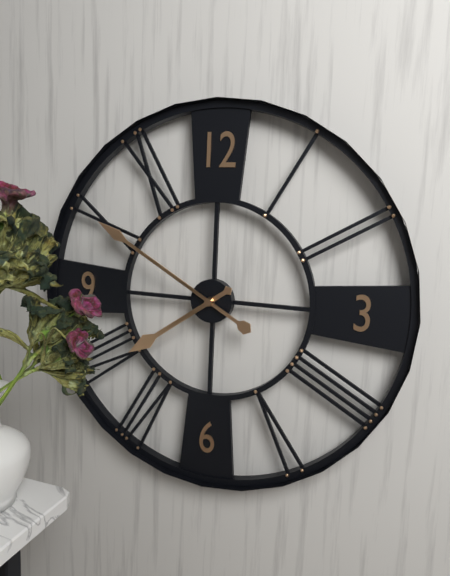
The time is 7 h 50 min
